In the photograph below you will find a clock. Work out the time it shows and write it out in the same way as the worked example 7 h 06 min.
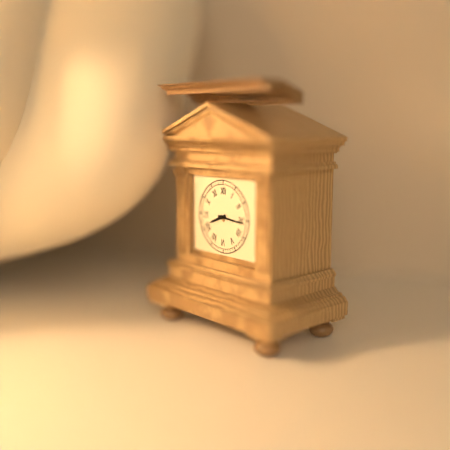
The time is 8 h 16 min
